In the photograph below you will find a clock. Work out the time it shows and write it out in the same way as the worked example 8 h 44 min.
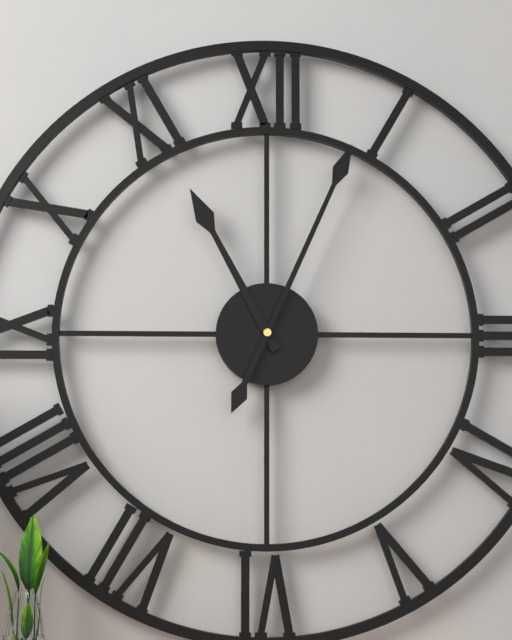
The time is 11 h 04 min
